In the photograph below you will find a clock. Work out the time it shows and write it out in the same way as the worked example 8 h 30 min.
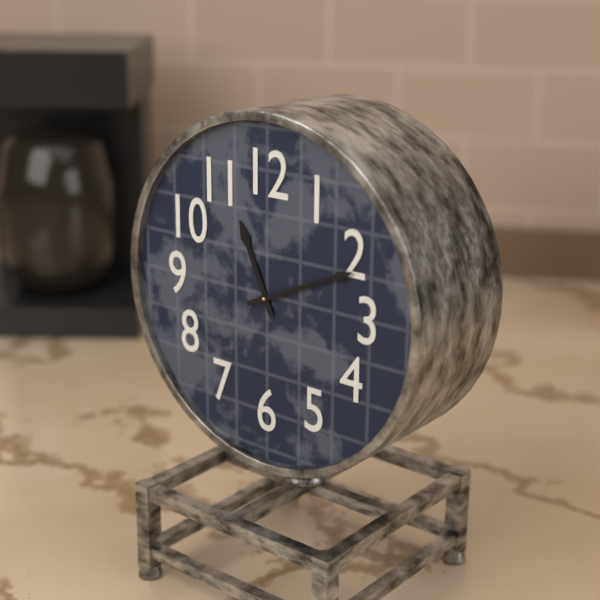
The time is 11 h 11 min
